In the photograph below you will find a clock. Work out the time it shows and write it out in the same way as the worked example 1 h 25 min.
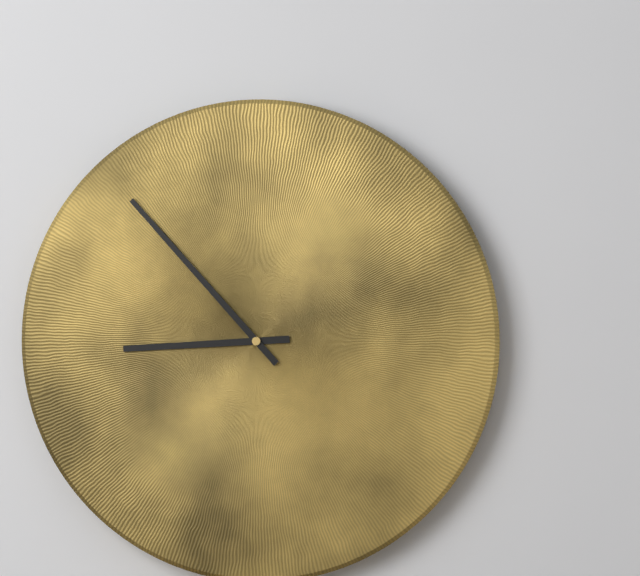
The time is 8 h 53 min
